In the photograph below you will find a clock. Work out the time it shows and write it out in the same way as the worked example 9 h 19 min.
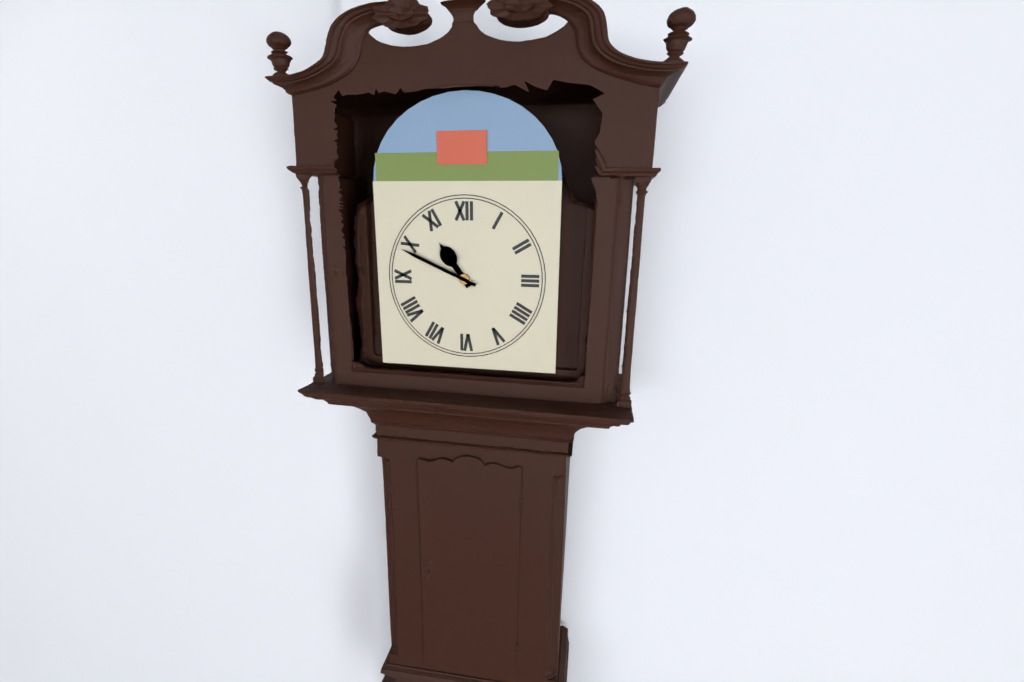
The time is 10 h 49 min
